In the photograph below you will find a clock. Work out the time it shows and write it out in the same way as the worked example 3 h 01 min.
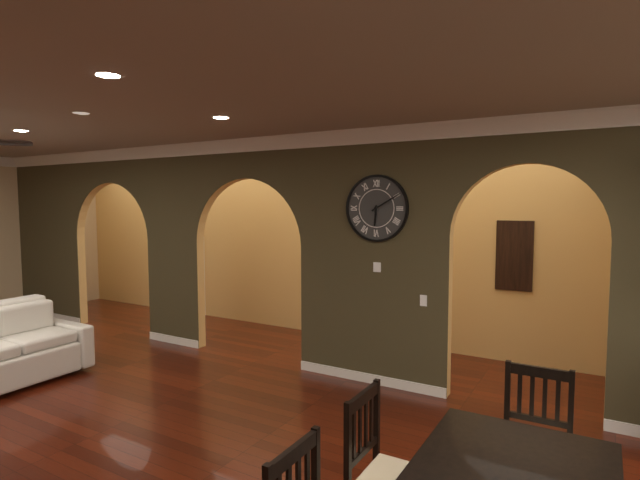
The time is 6 h 10 min
